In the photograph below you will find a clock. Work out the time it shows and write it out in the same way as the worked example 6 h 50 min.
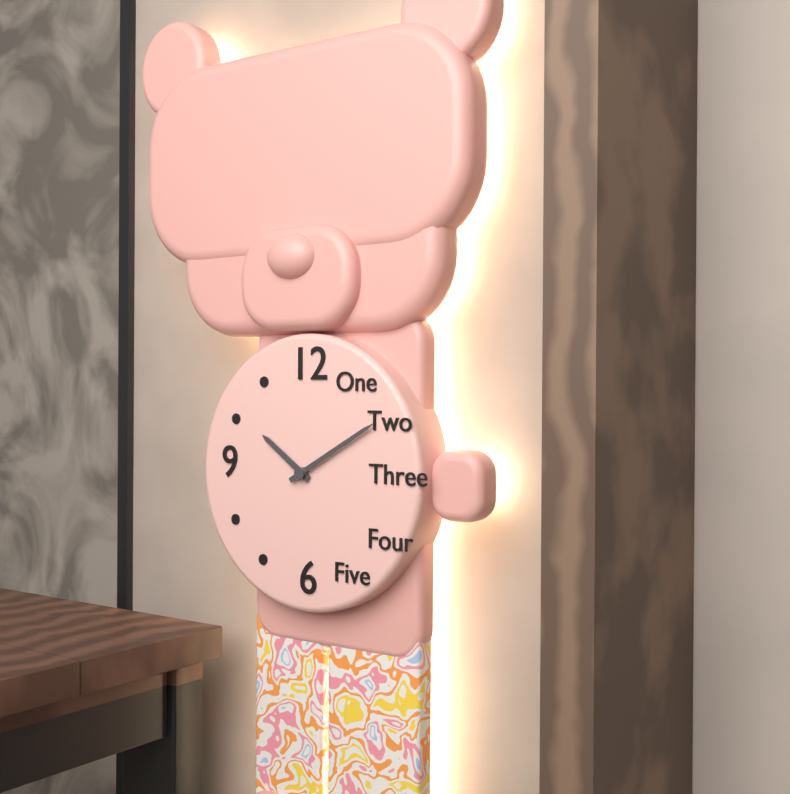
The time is 10 h 10 min
